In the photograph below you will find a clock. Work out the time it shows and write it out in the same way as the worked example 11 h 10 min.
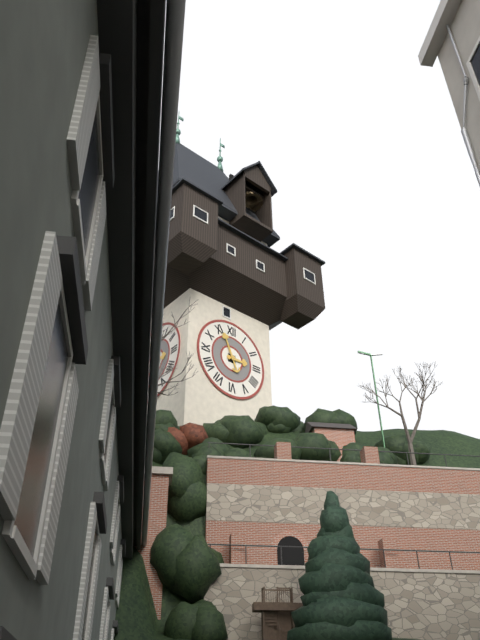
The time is 2 h 56 min
